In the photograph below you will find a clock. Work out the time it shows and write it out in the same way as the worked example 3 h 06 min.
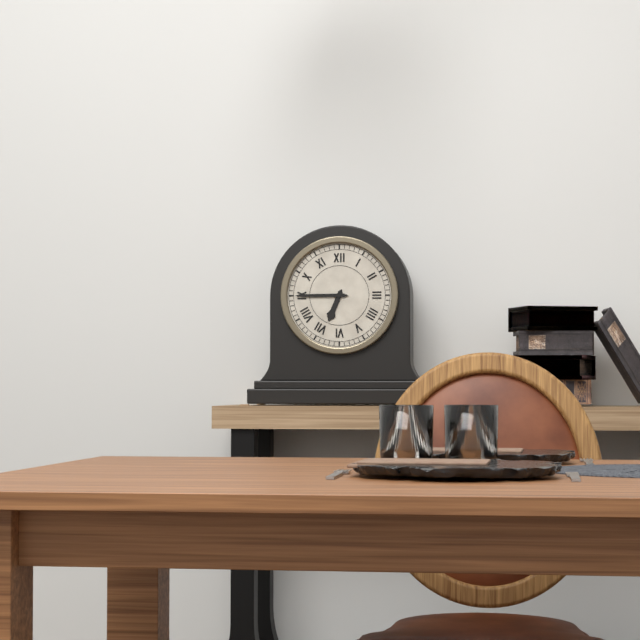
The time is 6 h 45 min
